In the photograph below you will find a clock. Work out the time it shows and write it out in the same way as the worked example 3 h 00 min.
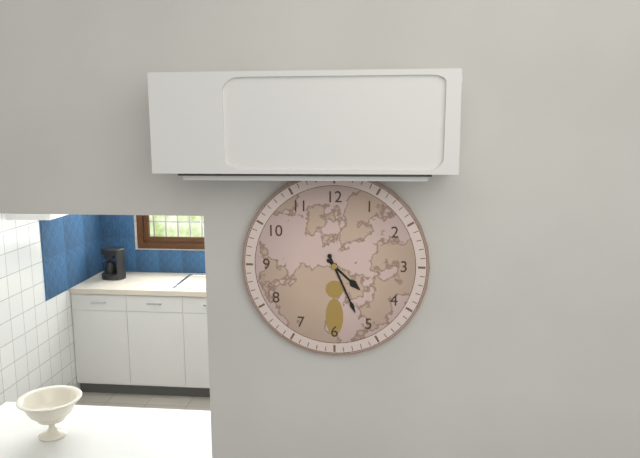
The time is 4 h 26 min
